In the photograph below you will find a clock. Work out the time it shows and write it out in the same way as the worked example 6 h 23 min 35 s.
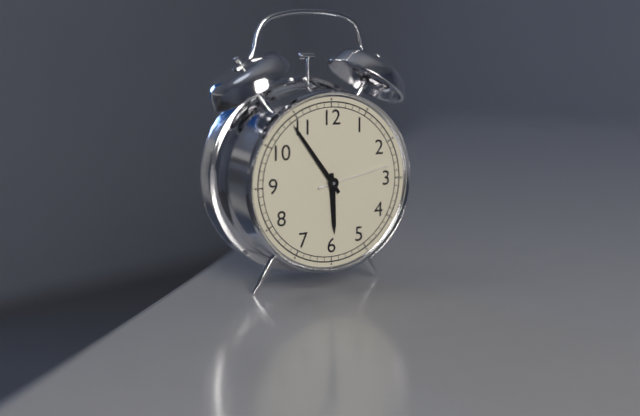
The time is 5 h 54 min 13 s
